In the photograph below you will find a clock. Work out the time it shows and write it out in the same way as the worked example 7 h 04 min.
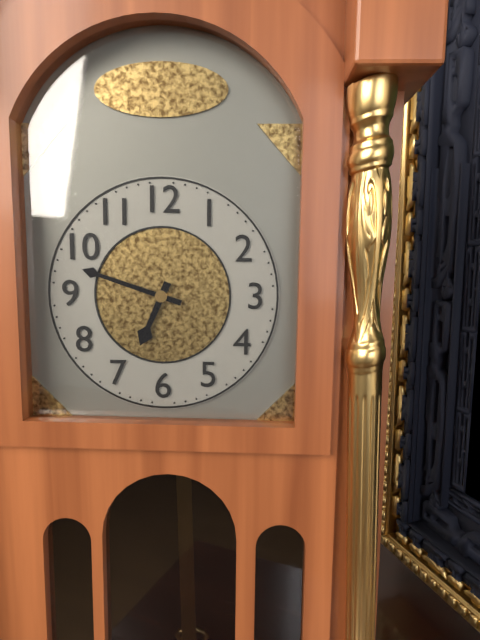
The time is 6 h 48 min
